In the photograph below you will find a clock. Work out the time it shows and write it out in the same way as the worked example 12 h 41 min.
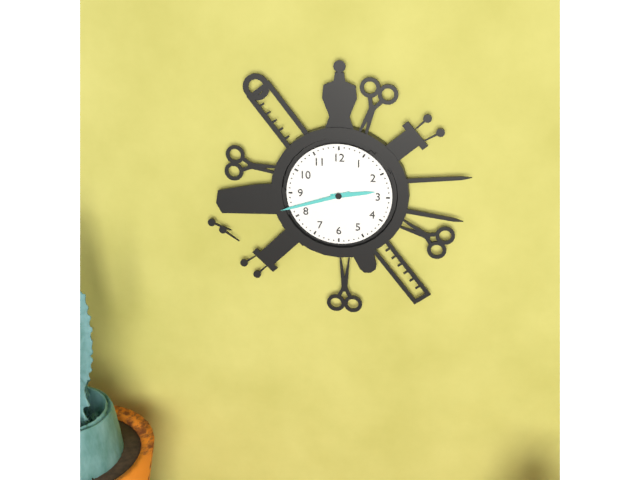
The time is 2 h 42 min
